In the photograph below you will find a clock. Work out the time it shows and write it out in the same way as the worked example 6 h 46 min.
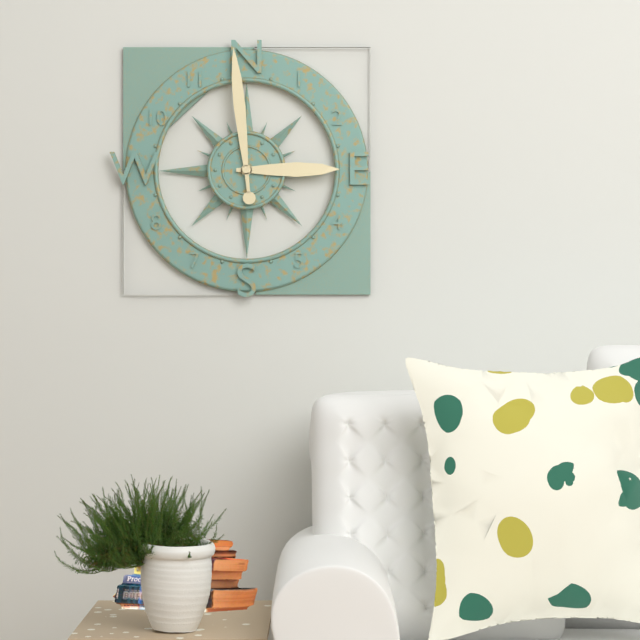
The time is 2 h 59 min
